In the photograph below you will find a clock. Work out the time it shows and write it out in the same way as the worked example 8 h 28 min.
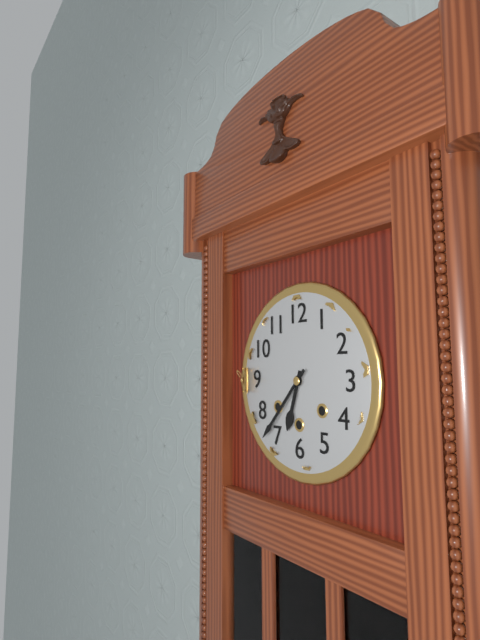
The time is 6 h 37 min
